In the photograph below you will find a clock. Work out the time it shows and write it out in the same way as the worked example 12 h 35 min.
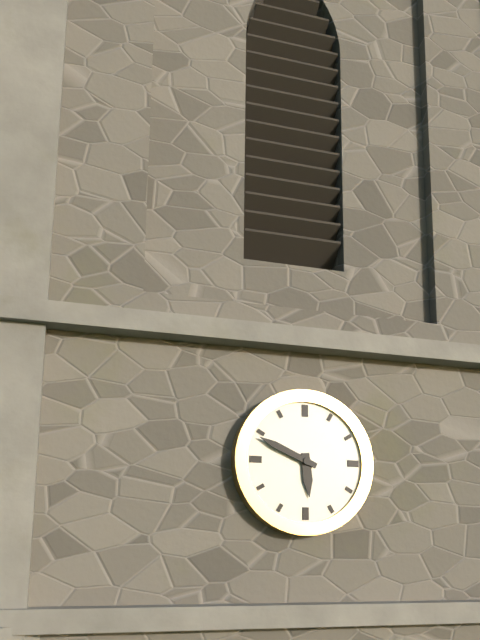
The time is 5 h 49 min
